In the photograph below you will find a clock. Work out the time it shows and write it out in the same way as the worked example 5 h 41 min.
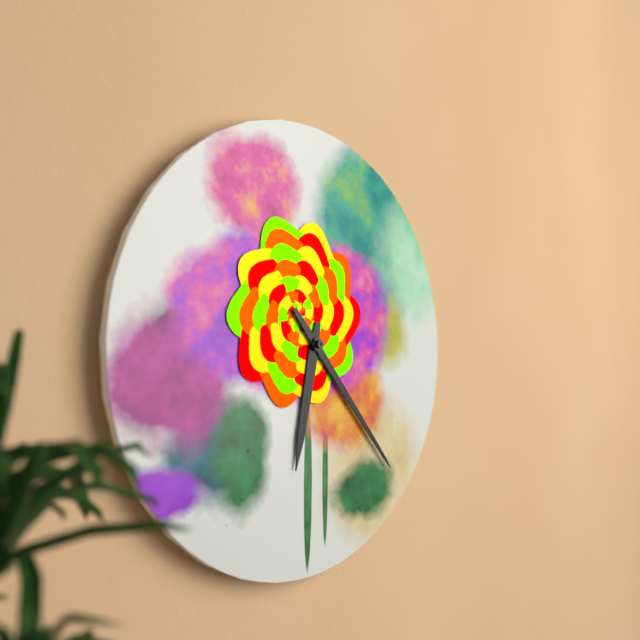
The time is 6 h 23 min
